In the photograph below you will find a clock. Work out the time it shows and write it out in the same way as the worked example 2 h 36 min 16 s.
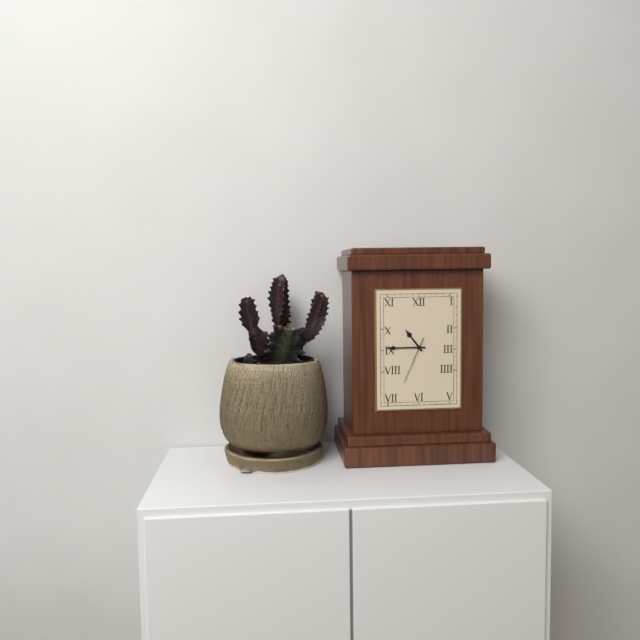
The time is 10 h 45 min 34 s
